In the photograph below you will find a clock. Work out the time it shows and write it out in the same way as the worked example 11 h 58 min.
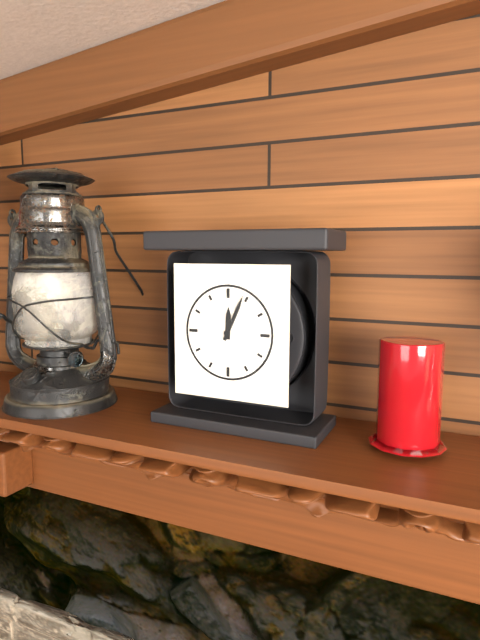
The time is 12 h 04 min
